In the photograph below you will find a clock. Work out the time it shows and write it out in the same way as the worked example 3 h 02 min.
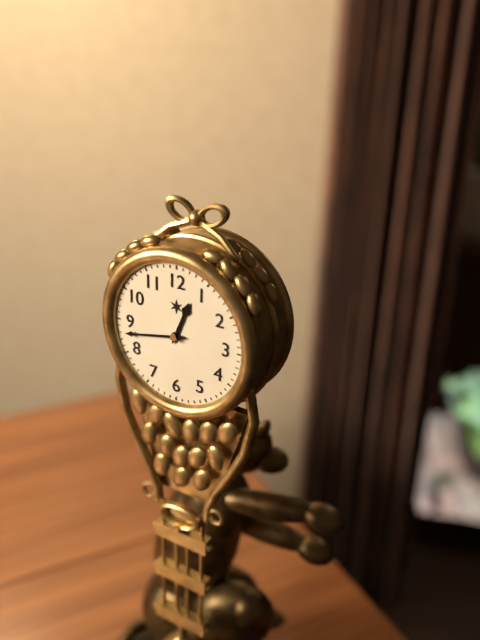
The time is 12 h 43 min
